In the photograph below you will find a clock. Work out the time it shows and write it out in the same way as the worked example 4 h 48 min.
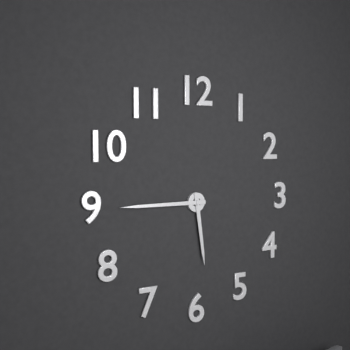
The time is 5 h 45 min
